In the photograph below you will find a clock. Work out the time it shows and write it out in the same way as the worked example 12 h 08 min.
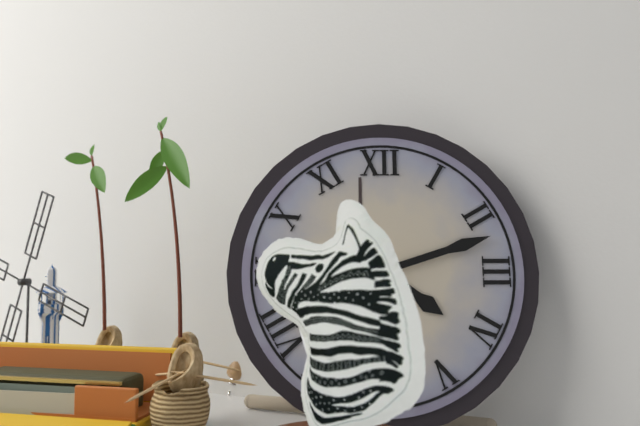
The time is 4 h 12 min
